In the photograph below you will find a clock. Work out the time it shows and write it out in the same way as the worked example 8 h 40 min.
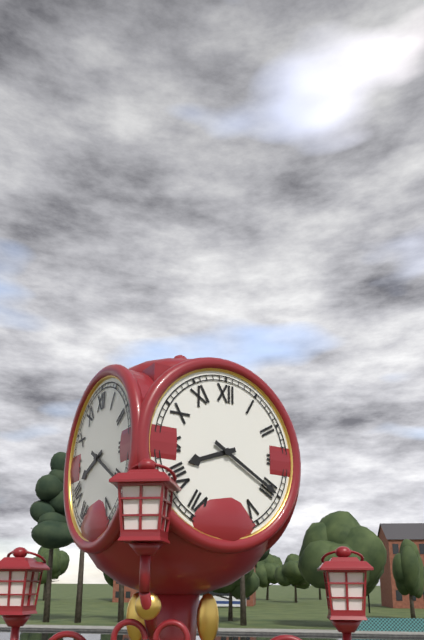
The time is 8 h 20 min
